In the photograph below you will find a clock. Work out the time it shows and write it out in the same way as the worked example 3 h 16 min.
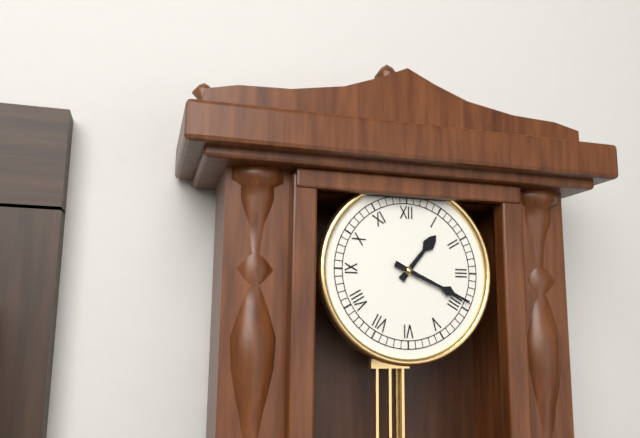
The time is 1 h 19 min
